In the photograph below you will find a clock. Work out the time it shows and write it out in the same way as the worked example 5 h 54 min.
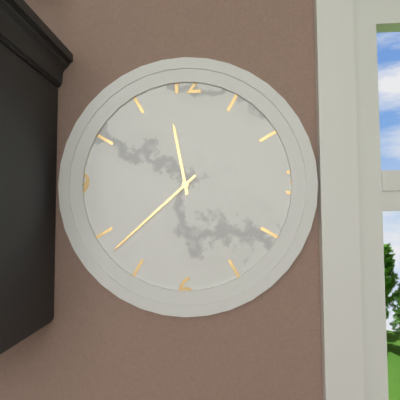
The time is 11 h 38 min
